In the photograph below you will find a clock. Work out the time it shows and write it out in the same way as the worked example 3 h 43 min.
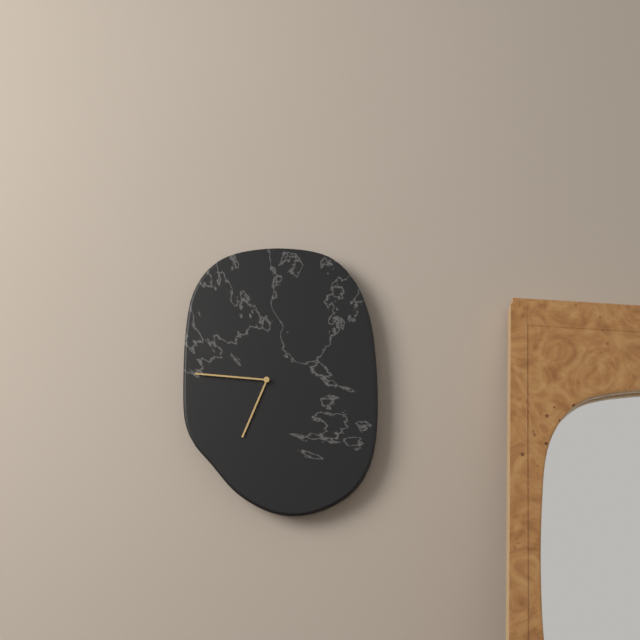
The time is 6 h 46 min
